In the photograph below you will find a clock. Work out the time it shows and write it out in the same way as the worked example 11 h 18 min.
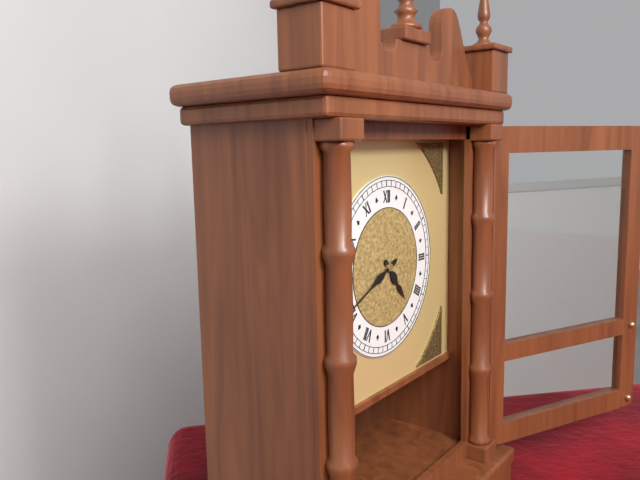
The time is 4 h 41 min
